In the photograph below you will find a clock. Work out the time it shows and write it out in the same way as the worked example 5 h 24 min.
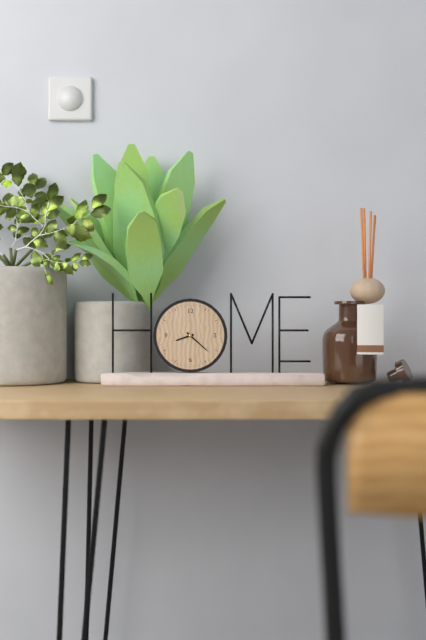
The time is 8 h 22 min
